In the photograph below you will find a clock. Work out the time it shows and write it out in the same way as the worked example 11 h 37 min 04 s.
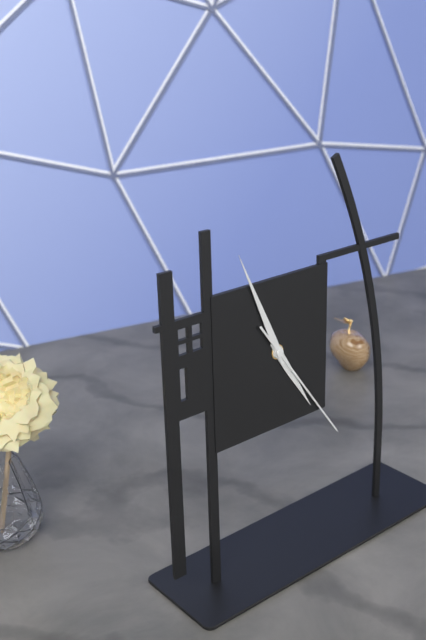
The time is 4 h 56 min 24 s
